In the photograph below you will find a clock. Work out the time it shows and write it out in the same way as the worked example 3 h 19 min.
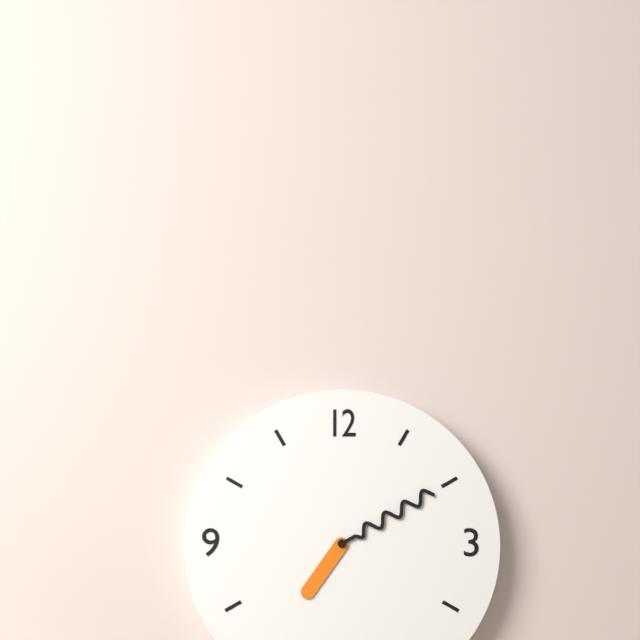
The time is 7 h 10 min
